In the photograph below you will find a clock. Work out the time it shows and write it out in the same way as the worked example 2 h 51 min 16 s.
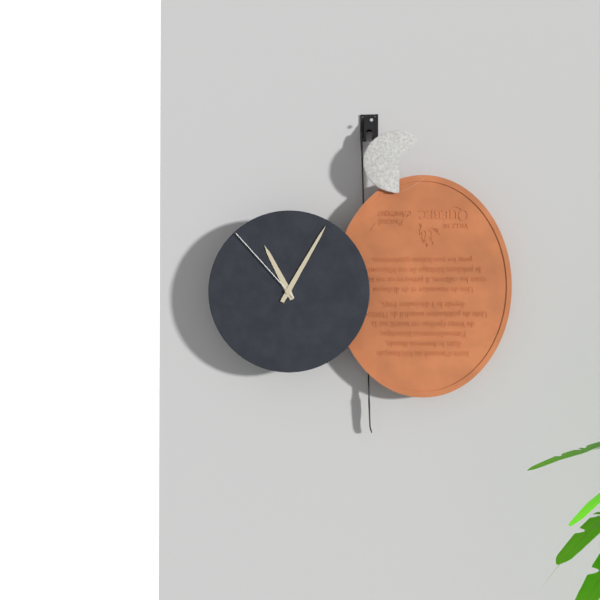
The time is 11 h 05 min 53 s
